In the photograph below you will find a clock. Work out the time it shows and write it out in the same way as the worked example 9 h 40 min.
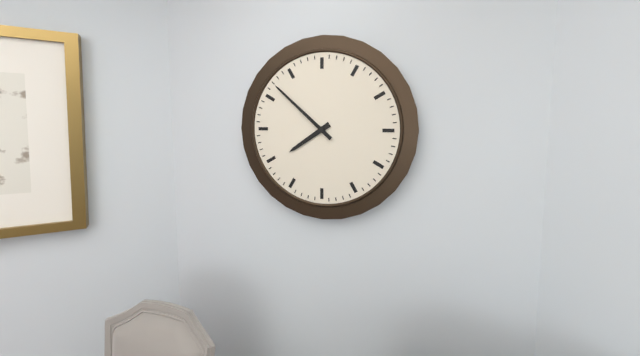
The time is 7 h 52 min
